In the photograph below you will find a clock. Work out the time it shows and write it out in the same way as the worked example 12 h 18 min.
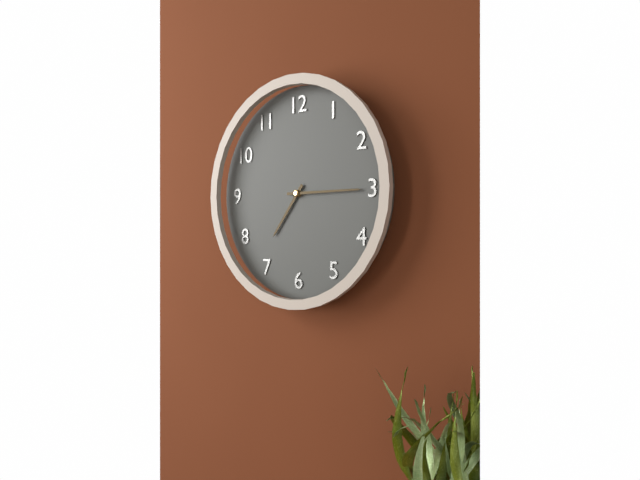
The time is 7 h 15 min
